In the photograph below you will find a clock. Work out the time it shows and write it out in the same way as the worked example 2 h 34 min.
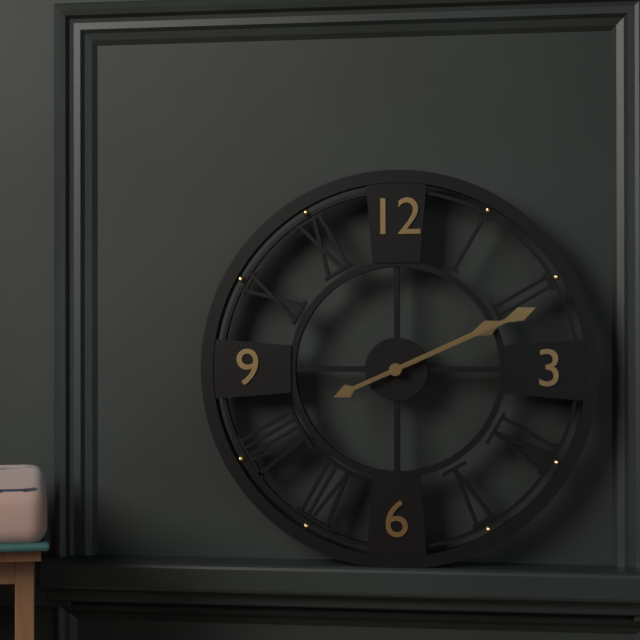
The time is 2 h 11 min
